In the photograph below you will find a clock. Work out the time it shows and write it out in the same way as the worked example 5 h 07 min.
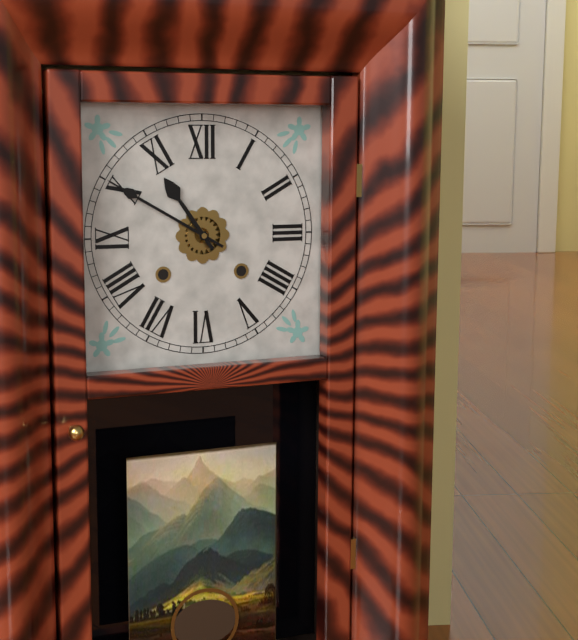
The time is 10 h 50 min
